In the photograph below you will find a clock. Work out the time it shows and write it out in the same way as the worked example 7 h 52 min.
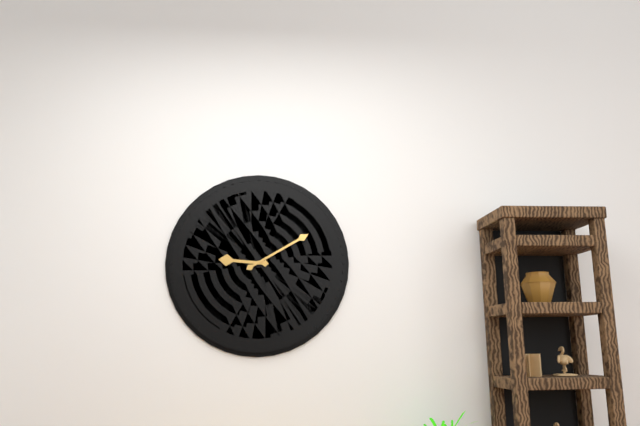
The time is 9 h 10 min
